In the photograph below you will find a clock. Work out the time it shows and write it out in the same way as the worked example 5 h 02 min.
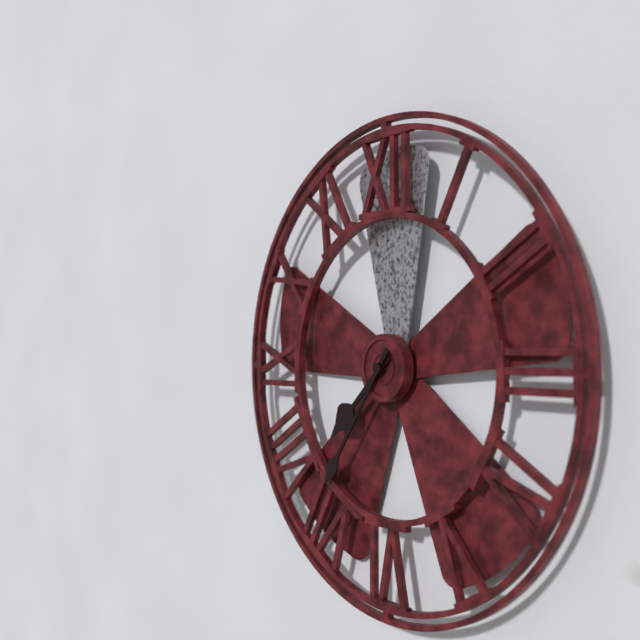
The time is 7 h 36 min
